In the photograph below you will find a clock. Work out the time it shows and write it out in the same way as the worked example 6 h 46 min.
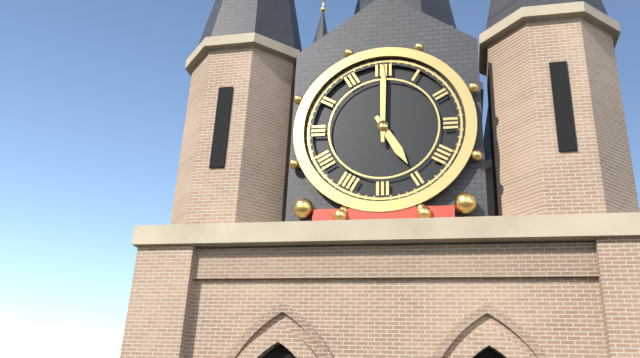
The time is 5 h 00 min
